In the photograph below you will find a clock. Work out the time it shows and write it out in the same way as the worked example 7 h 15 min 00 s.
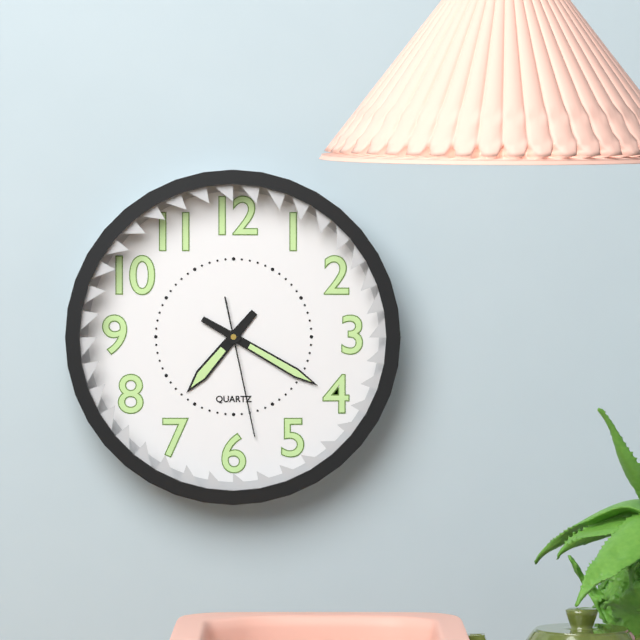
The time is 7 h 20 min 28 s
